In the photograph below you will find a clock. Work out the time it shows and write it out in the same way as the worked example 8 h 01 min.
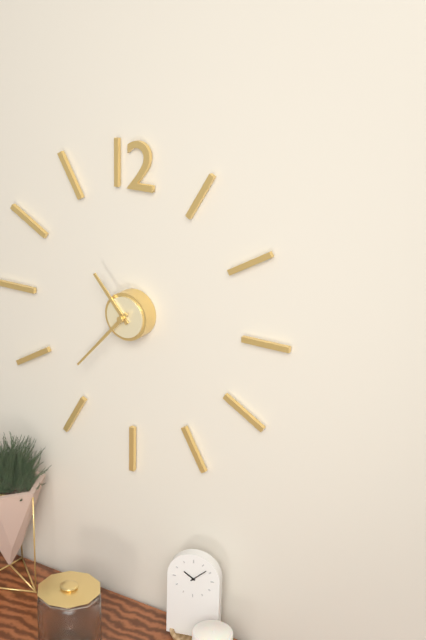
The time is 10 h 37 min
